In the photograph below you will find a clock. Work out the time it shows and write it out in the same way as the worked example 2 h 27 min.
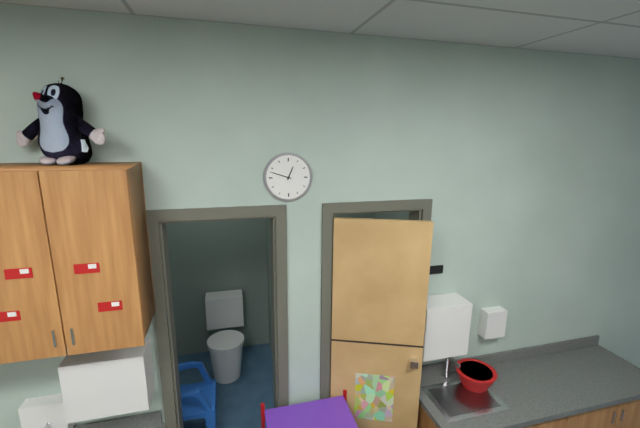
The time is 12 h 48 min
